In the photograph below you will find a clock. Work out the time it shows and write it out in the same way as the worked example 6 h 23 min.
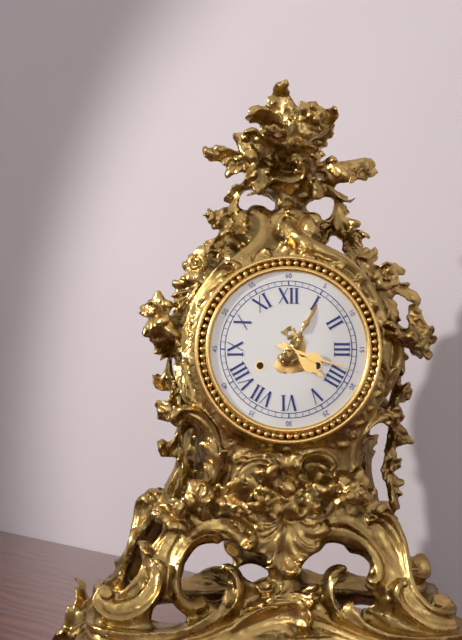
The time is 4 h 18 min
